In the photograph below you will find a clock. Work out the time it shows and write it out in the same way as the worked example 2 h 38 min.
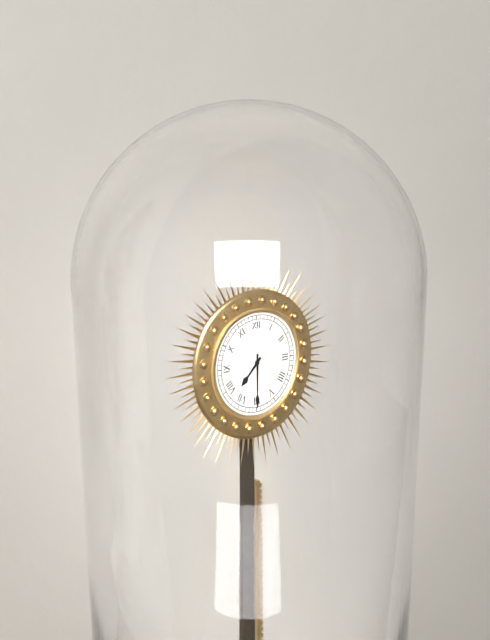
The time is 7 h 30 min
